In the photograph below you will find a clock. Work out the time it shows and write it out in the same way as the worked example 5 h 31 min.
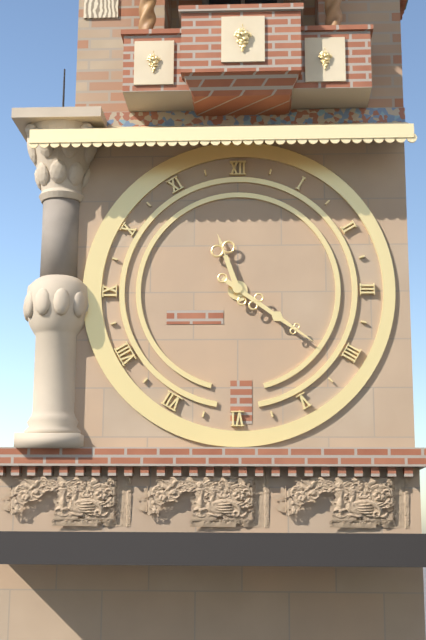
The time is 11 h 21 min
